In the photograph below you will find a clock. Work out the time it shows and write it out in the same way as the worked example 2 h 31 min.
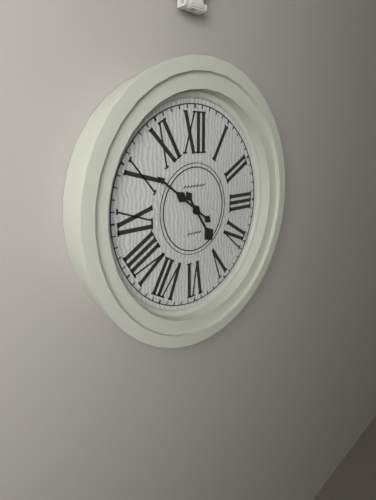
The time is 4 h 51 min
